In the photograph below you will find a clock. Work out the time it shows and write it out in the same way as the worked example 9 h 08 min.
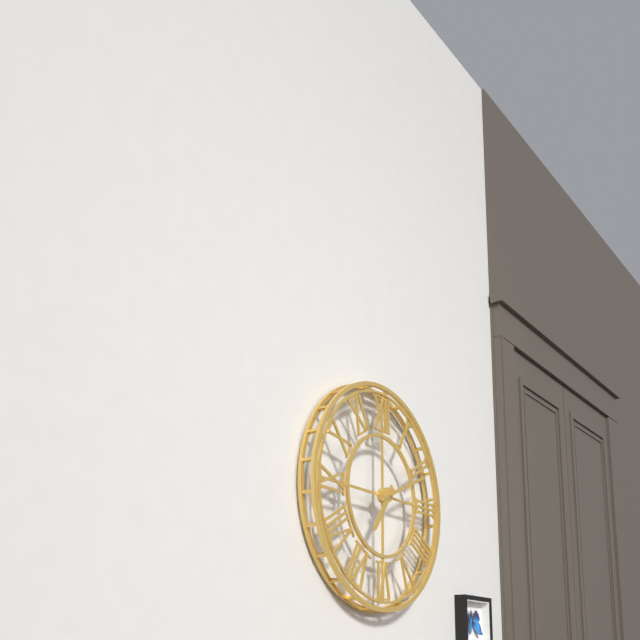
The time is 7 h 11 min
